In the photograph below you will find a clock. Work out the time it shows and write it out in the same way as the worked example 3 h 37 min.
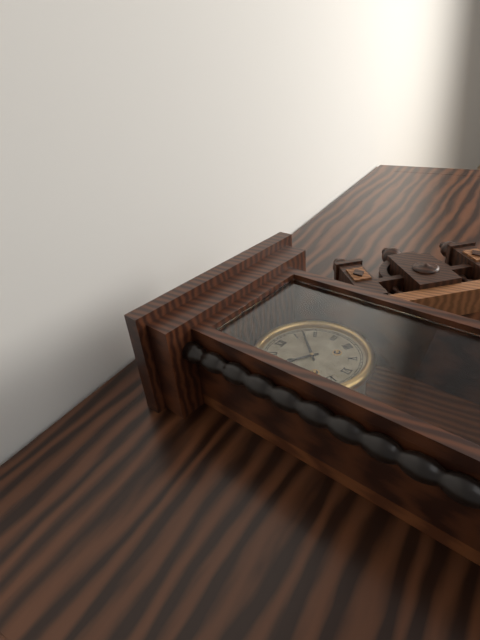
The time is 10 h 07 min
